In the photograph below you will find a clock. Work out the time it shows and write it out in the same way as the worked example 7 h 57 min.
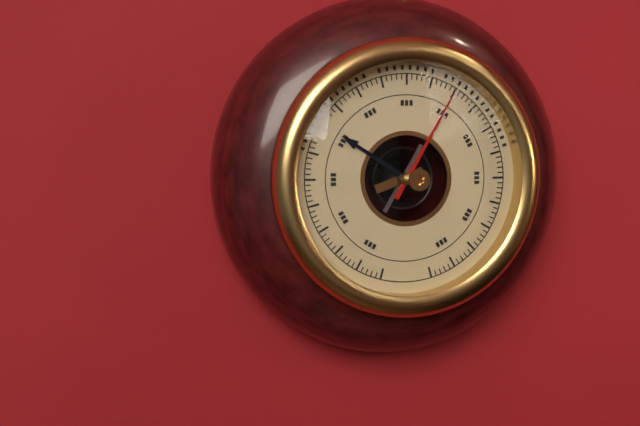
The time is 10 h 05 min
